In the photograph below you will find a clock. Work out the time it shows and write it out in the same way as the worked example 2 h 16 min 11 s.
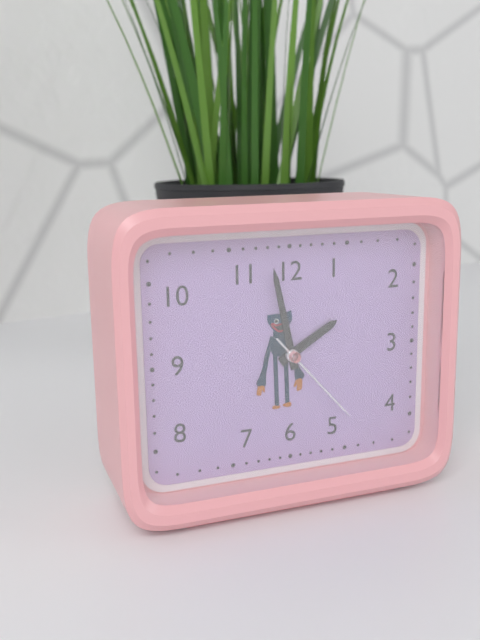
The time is 1 h 58 min 23 s
